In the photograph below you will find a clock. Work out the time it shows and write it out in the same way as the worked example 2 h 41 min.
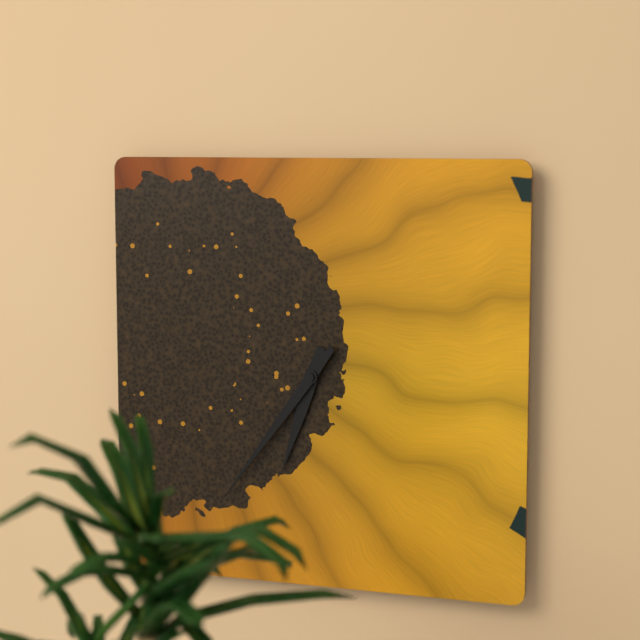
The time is 6 h 36 min
